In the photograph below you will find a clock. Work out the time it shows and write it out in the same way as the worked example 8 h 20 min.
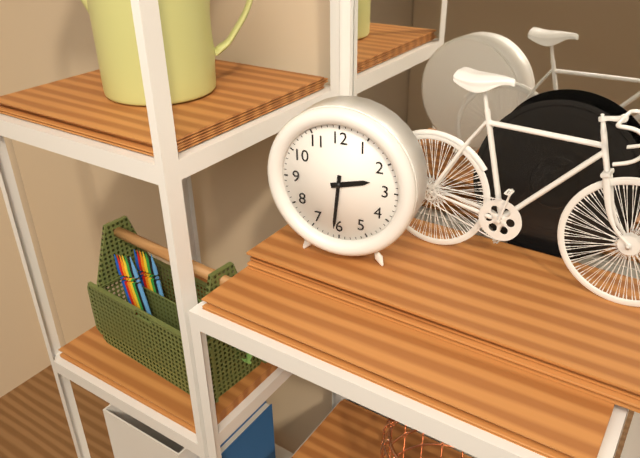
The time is 2 h 31 min
